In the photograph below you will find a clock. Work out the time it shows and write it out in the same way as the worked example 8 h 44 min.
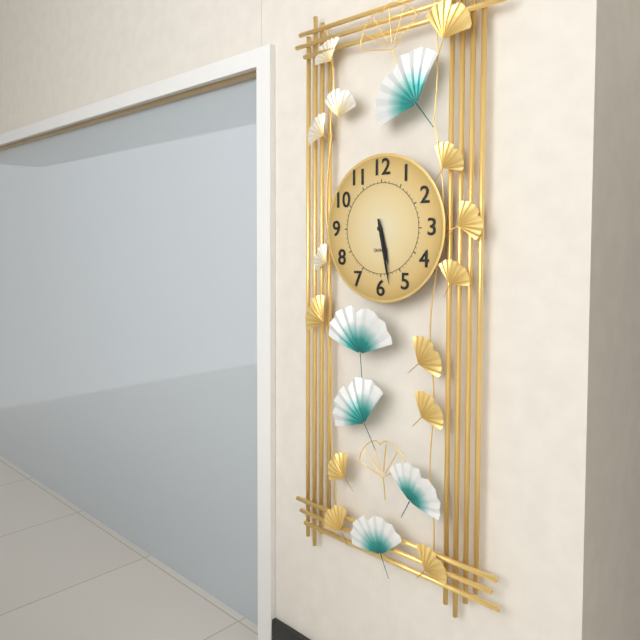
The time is 5 h 28 min
